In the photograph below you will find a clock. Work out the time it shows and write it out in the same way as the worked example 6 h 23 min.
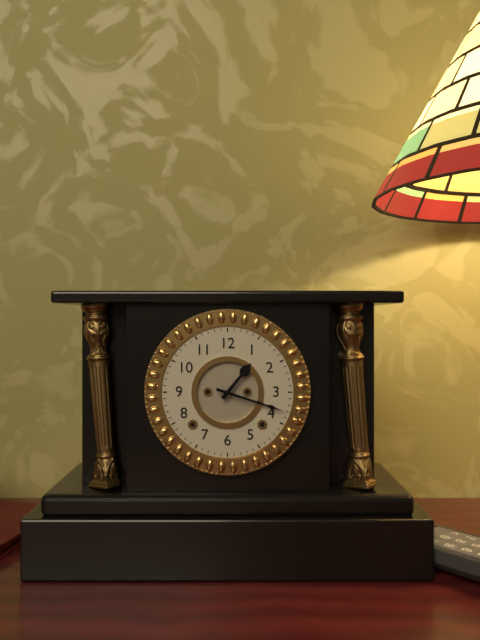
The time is 1 h 18 min
